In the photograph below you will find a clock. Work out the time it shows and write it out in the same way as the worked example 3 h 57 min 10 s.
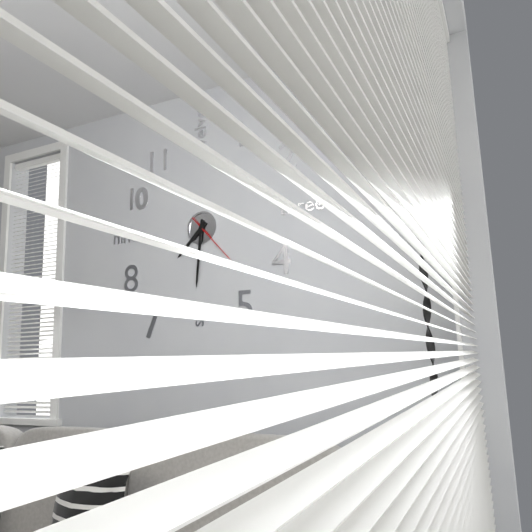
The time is 7 h 31 min 23 s
